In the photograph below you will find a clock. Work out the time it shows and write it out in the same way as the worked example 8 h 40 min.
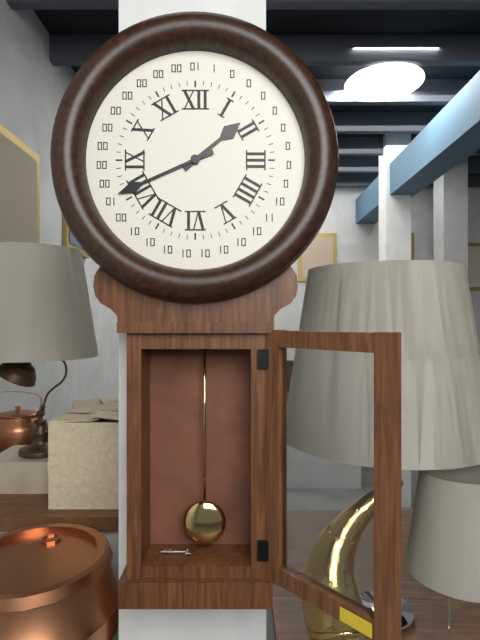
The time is 1 h 41 min
